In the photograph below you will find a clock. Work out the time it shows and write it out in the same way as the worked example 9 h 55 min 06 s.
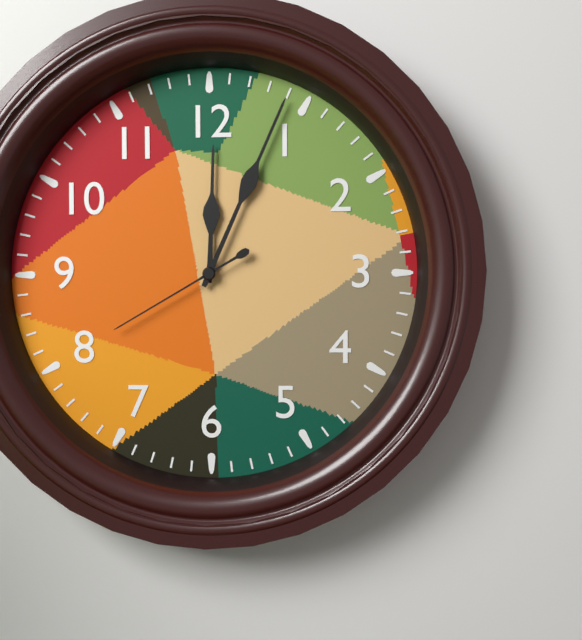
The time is 12 h 04 min 40 s
